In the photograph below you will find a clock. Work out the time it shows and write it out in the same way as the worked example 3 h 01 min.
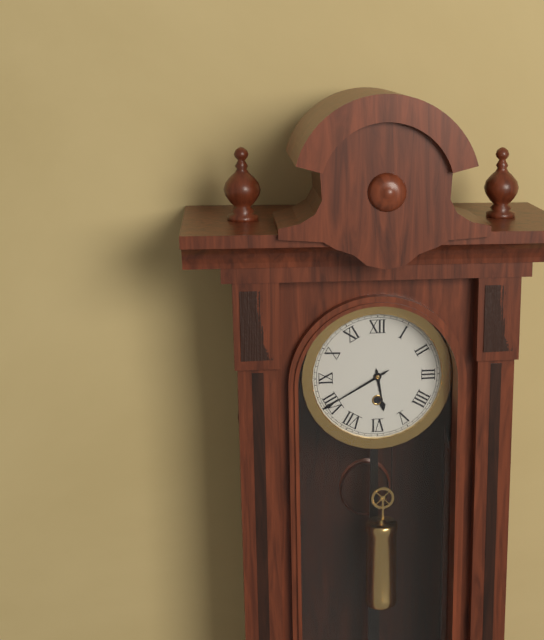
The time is 5 h 40 min
